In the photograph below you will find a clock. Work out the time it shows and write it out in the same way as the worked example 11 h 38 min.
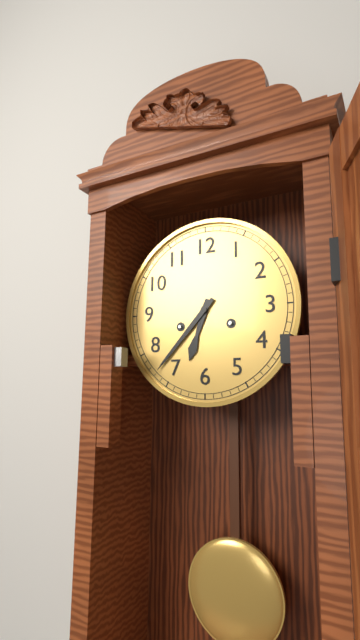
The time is 6 h 37 min
